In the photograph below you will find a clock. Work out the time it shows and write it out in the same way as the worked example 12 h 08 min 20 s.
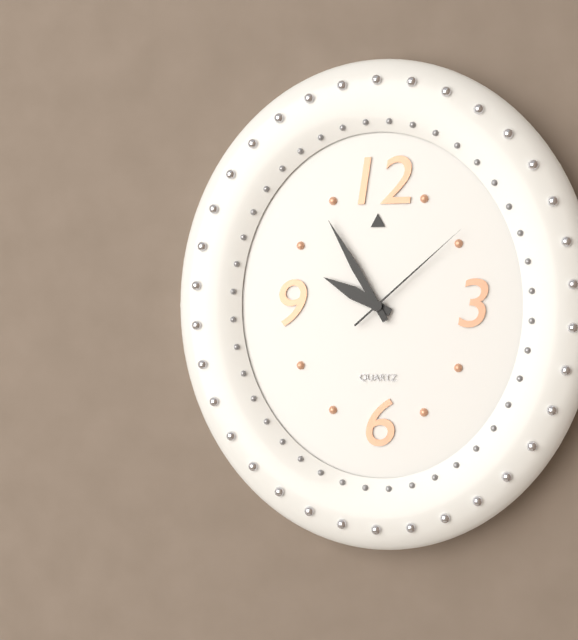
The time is 9 h 55 min 08 s
